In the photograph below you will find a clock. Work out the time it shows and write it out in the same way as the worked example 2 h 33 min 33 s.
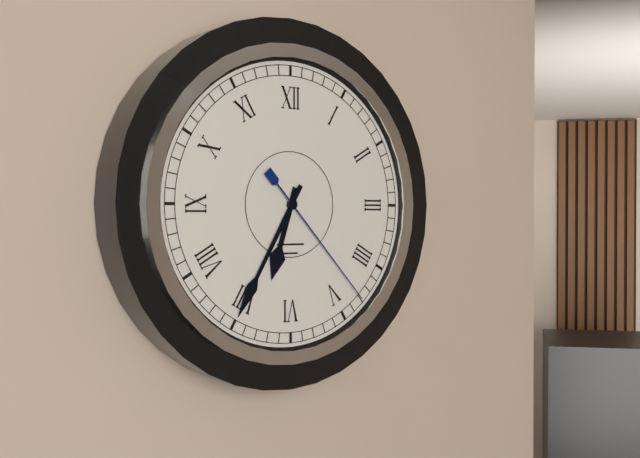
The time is 6 h 35 min 23 s
